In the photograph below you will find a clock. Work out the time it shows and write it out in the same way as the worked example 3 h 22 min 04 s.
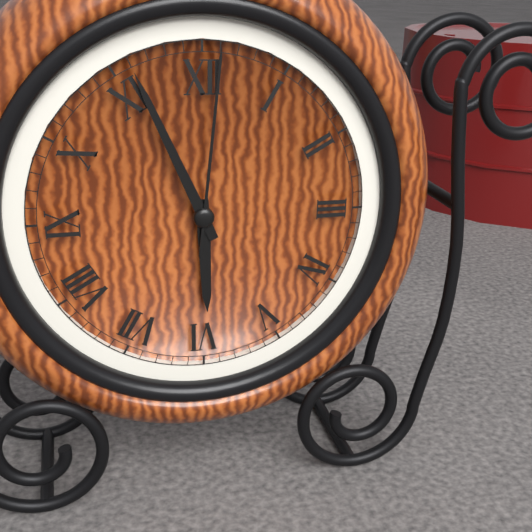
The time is 5 h 56 min 01 s
